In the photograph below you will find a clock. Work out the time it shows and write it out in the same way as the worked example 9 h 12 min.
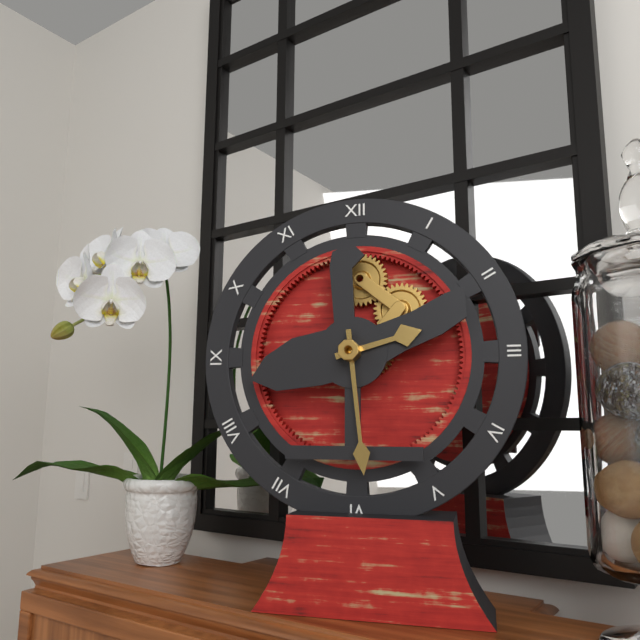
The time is 2 h 29 min
